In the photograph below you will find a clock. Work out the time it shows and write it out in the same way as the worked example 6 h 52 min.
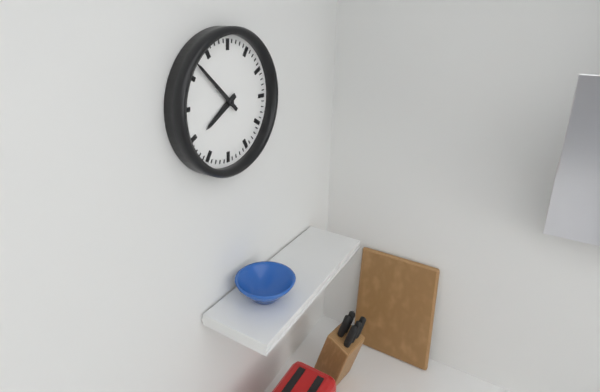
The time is 7 h 52 min
